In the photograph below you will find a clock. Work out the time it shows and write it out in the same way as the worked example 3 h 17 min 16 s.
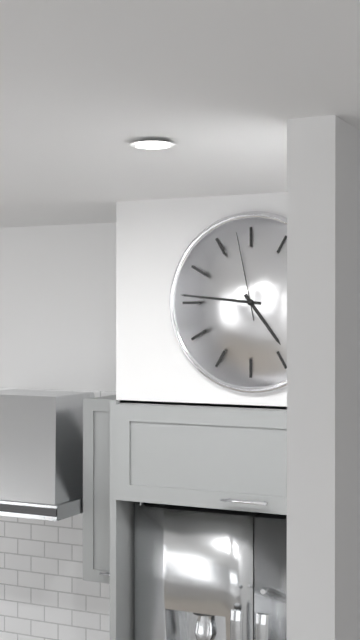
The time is 4 h 46 min 58 s
